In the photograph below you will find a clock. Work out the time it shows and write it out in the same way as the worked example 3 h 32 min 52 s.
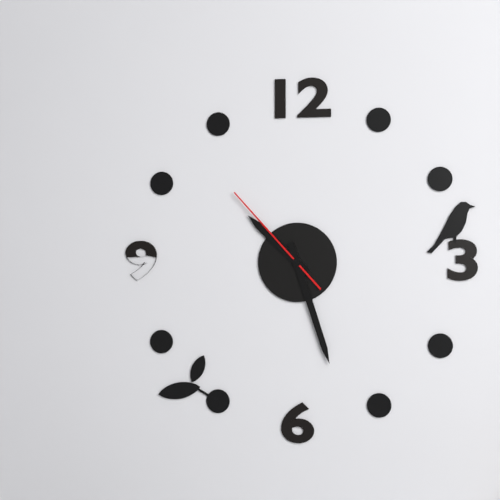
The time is 10 h 27 min 53 s
